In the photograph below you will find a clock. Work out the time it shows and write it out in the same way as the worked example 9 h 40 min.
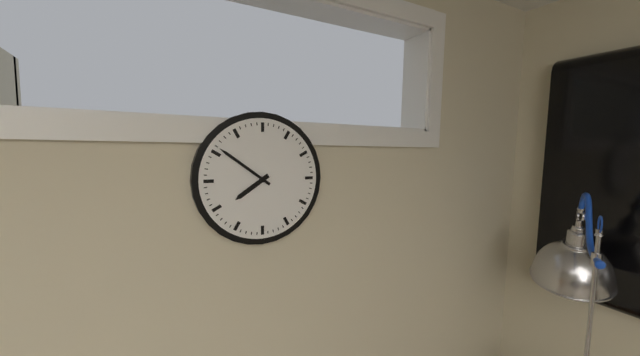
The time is 7 h 51 min
